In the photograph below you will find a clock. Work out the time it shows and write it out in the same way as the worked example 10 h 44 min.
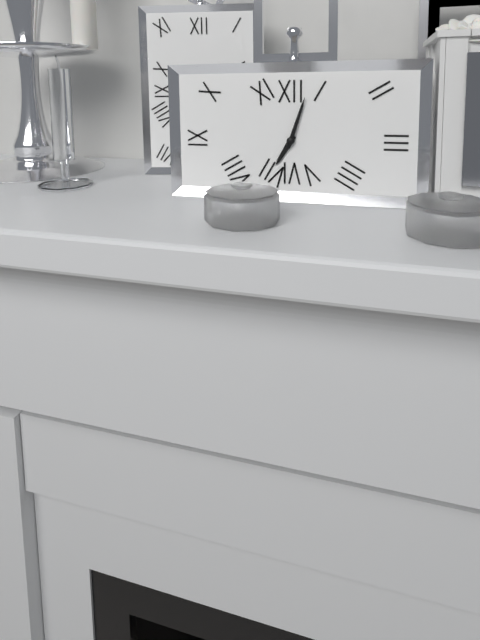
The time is 7 h 03 min
